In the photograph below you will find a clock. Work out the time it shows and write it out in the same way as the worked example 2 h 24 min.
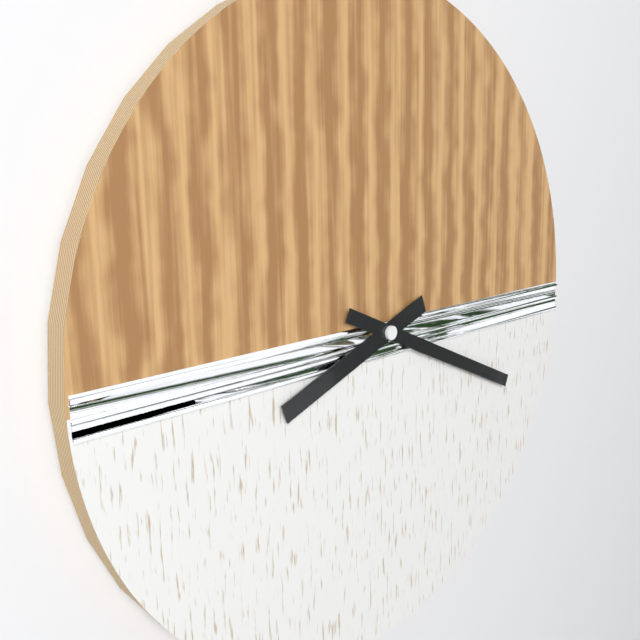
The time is 8 h 19 min
